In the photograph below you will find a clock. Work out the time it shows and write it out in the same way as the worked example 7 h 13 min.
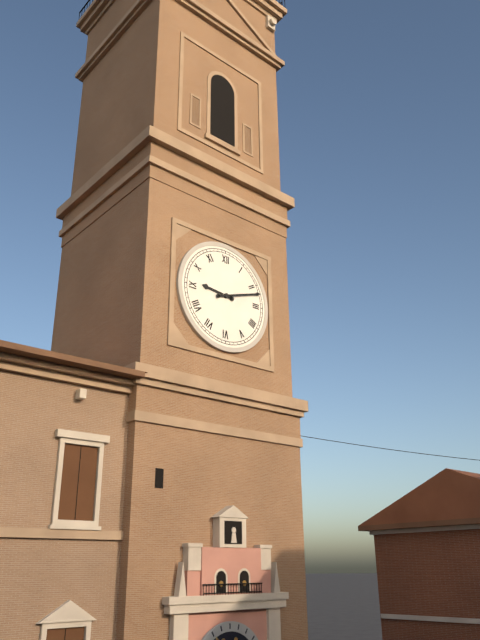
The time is 9 h 12 min
